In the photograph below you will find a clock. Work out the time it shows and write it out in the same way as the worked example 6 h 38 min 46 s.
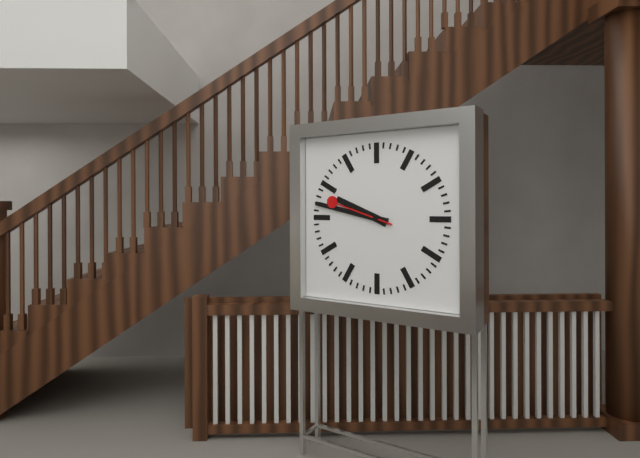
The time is 9 h 47 min 48 s
